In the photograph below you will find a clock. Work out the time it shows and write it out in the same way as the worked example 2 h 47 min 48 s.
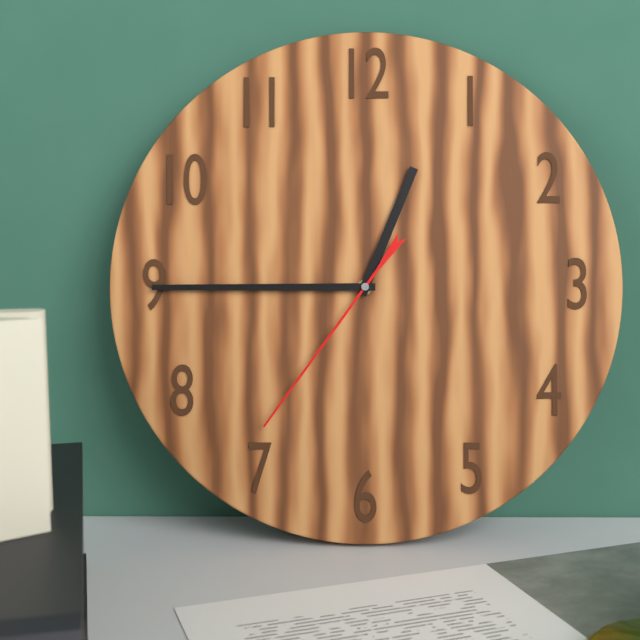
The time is 12 h 45 min 36 s
